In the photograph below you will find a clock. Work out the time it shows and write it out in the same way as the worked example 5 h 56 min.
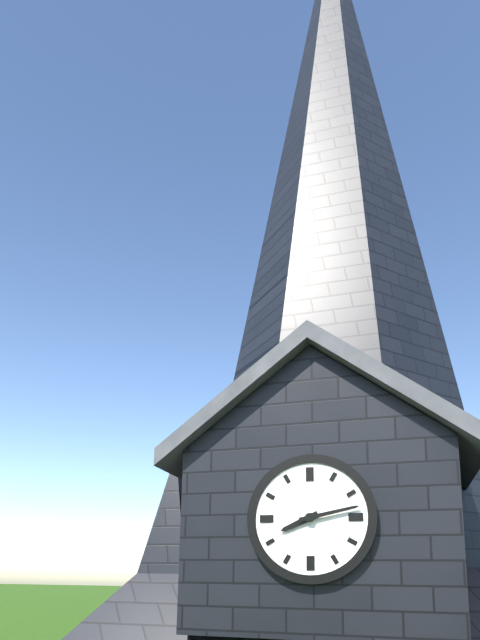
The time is 8 h 13 min
